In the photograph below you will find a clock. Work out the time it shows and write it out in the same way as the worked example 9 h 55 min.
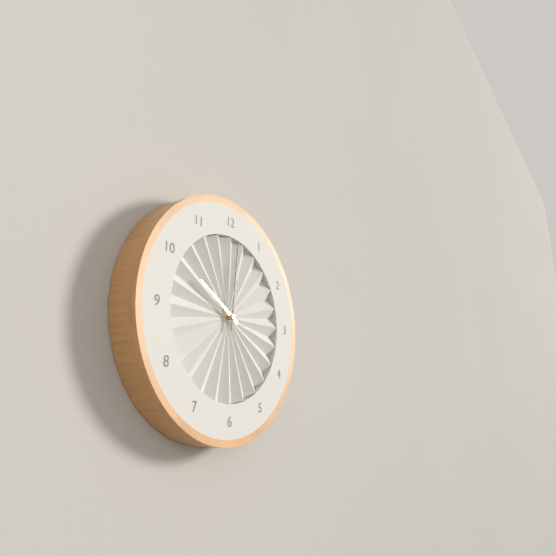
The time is 10 h 01 min
